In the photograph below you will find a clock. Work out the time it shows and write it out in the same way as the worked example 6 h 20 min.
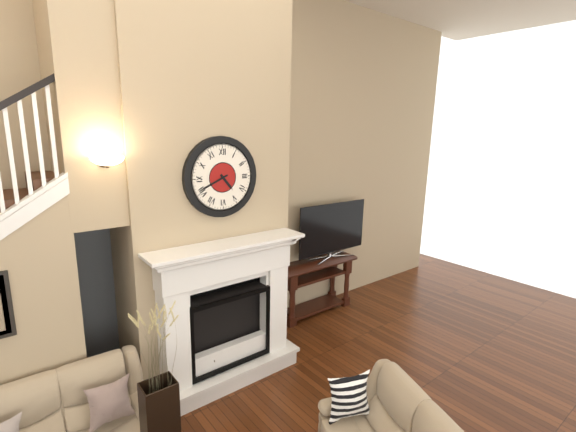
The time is 4 h 41 min
